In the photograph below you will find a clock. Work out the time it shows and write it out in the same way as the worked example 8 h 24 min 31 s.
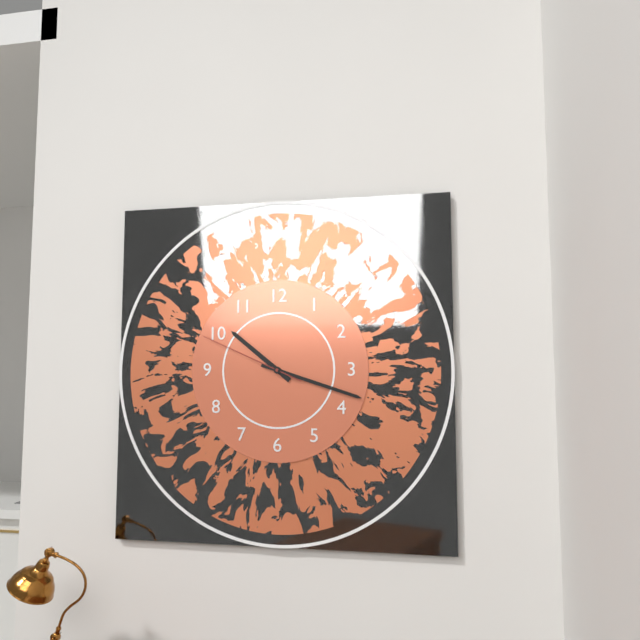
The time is 10 h 18 min 49 s
